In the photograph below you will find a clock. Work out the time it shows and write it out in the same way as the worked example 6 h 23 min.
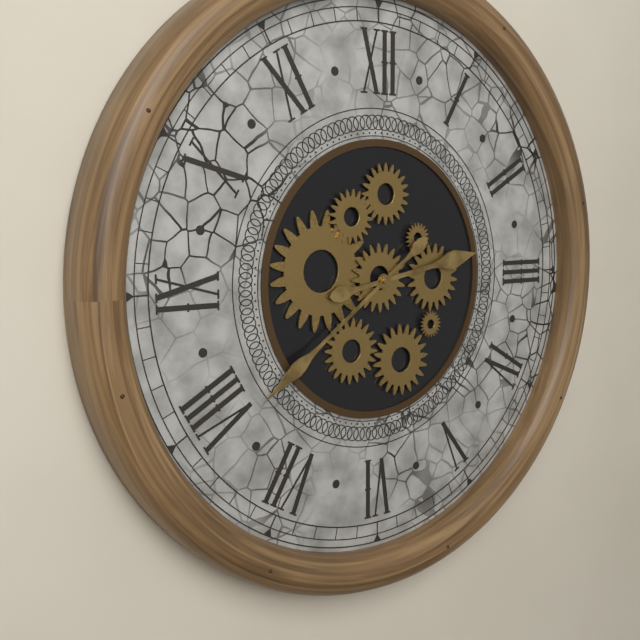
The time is 2 h 39 min
